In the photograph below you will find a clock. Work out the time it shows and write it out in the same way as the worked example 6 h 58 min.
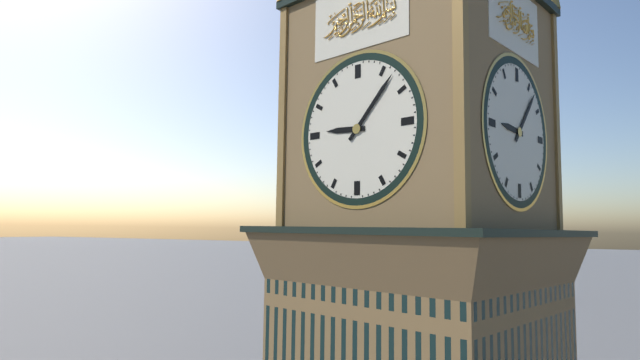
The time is 9 h 07 min
